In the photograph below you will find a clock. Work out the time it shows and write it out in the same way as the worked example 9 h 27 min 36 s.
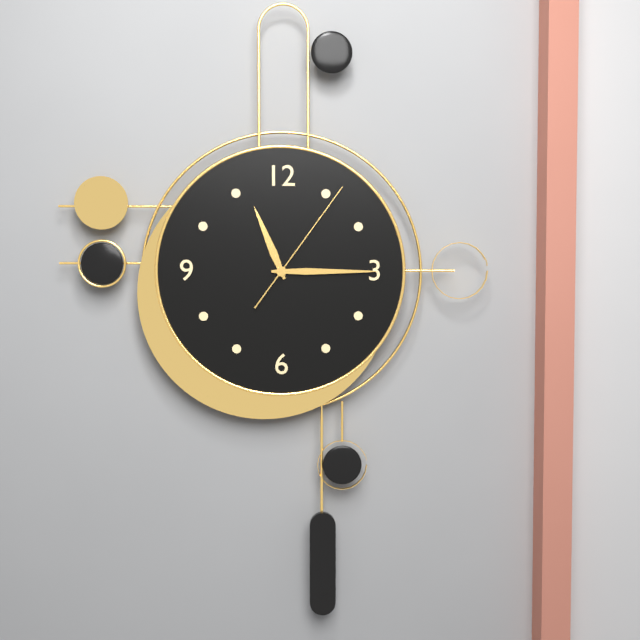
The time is 11 h 15 min 06 s
